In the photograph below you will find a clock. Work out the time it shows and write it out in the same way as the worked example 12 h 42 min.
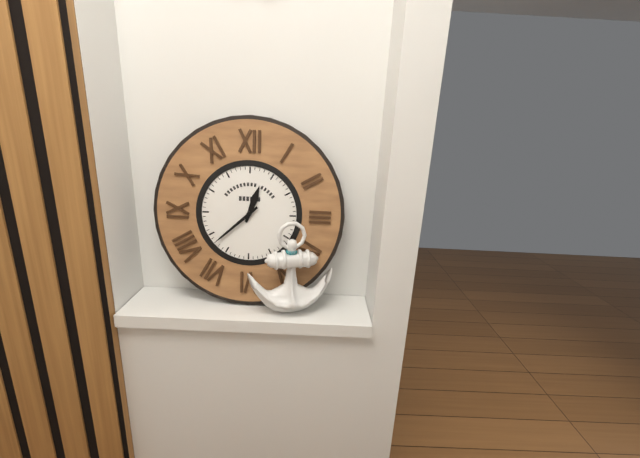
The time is 12 h 38 min
